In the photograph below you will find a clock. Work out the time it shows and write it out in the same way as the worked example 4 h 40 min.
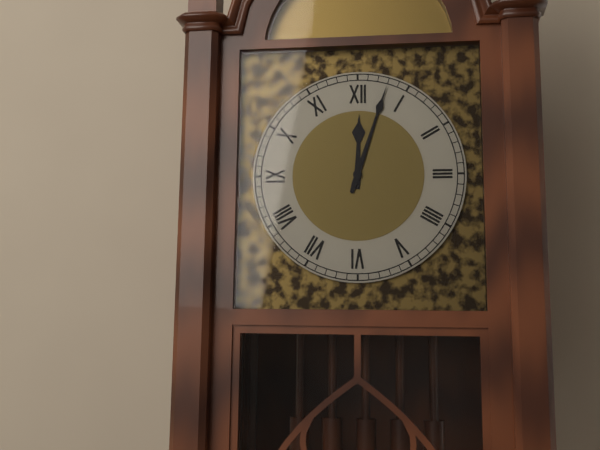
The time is 12 h 03 min
